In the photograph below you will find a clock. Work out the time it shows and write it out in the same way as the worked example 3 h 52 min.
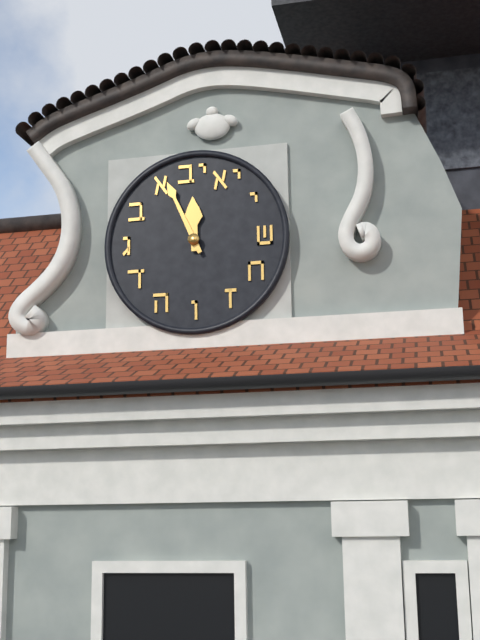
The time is 11 h 56 min
